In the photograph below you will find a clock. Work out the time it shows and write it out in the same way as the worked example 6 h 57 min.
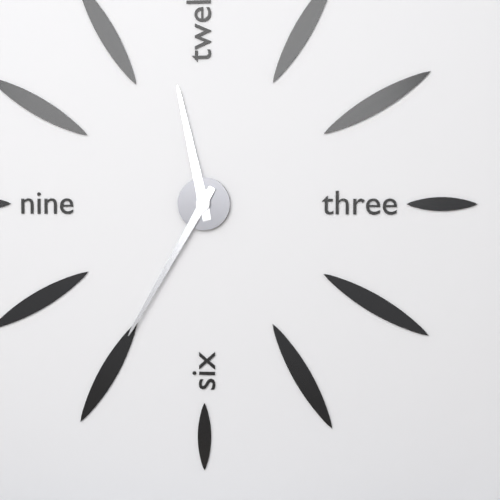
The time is 11 h 35 min
